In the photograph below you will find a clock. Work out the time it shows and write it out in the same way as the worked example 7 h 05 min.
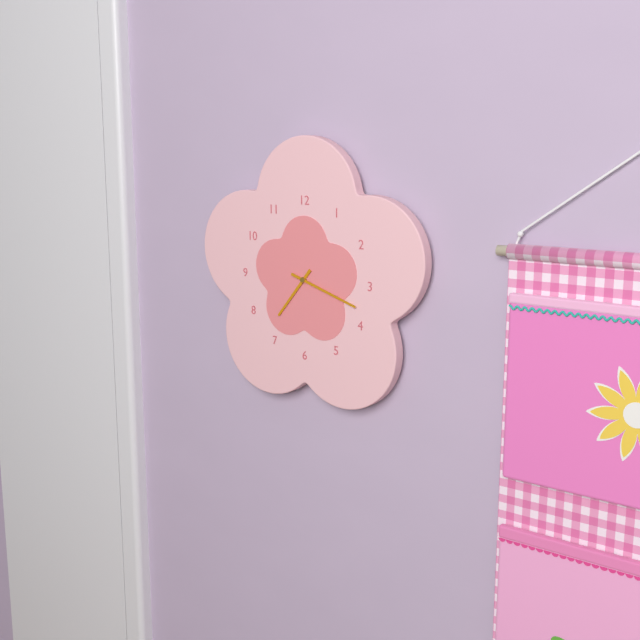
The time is 7 h 18 min
